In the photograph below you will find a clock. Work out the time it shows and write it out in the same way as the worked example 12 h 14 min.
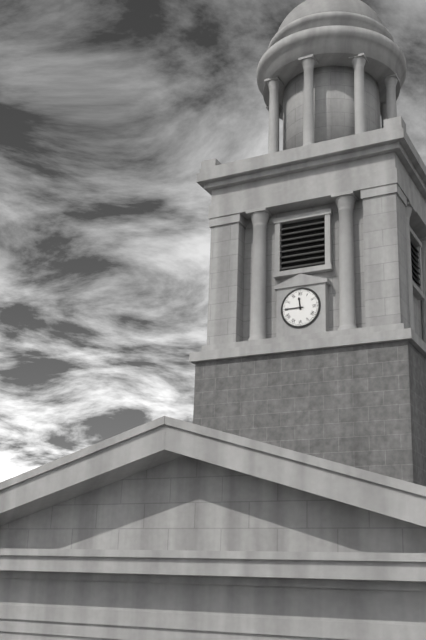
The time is 11 h 45 min
